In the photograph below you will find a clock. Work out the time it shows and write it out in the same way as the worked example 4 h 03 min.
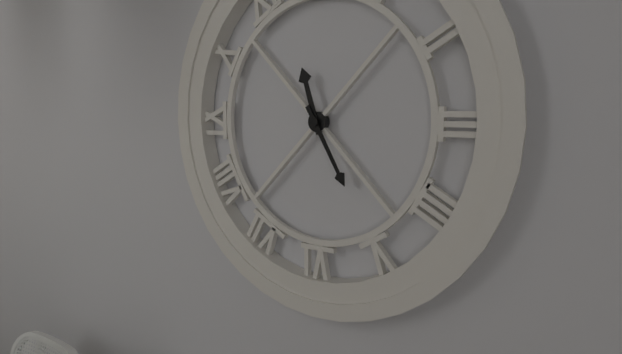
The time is 11 h 25 min
